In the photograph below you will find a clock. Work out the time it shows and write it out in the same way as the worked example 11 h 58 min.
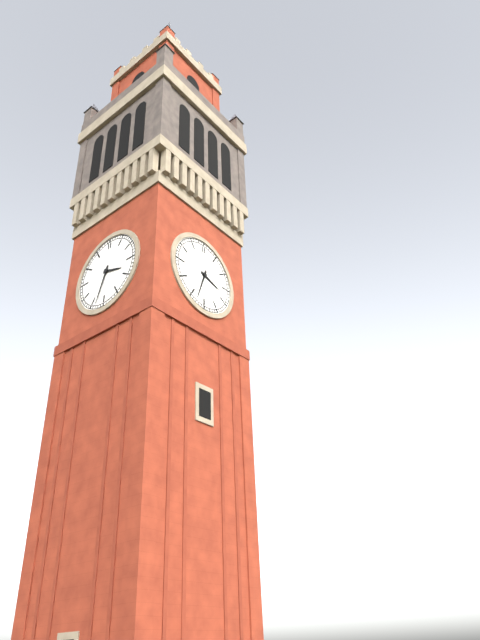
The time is 3 h 33 min
